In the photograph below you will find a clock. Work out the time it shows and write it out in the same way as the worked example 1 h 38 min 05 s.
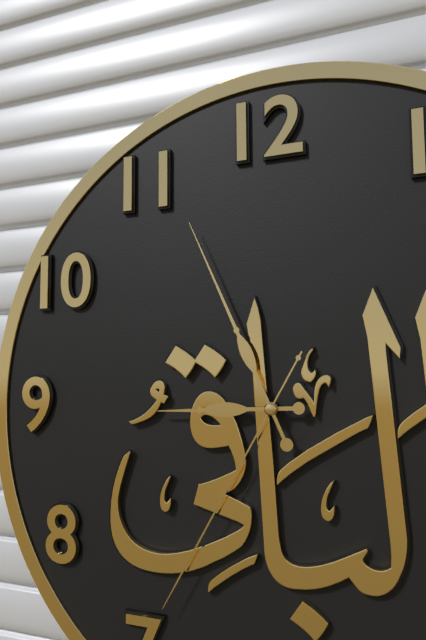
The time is 8 h 56 min 35 s
